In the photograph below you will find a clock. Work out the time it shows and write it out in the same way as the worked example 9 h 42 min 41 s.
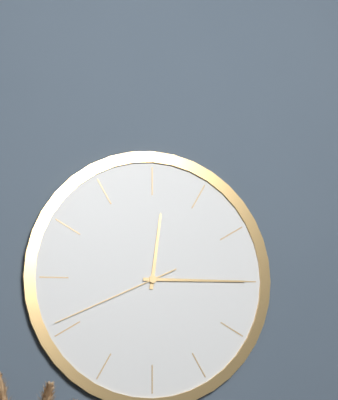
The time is 12 h 15 min 41 s
